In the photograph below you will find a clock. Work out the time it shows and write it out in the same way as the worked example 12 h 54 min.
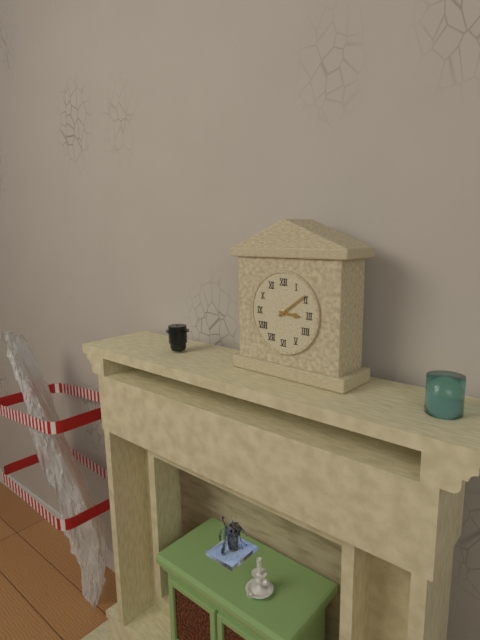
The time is 3 h 09 min
